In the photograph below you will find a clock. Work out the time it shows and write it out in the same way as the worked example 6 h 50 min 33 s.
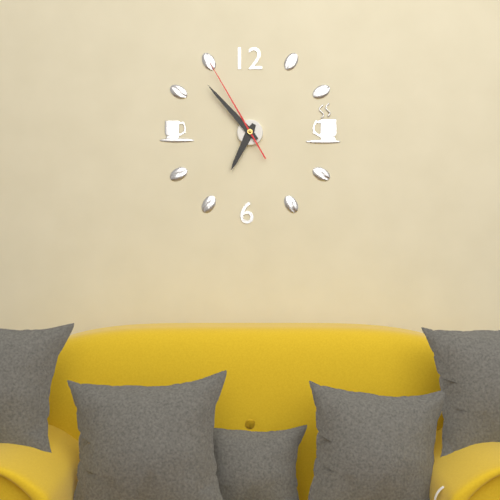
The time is 6 h 53 min 55 s
